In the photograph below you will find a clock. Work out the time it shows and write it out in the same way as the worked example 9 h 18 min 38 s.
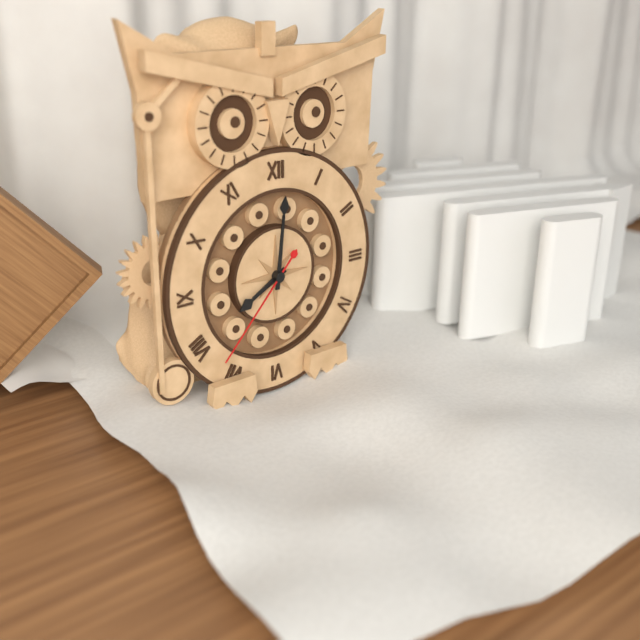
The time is 8 h 01 min 37 s
